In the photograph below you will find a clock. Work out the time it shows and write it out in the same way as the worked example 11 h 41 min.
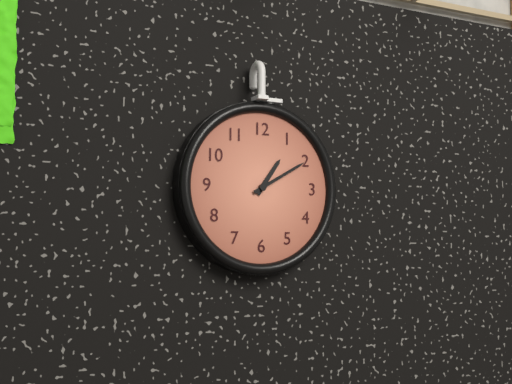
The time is 1 h 10 min
